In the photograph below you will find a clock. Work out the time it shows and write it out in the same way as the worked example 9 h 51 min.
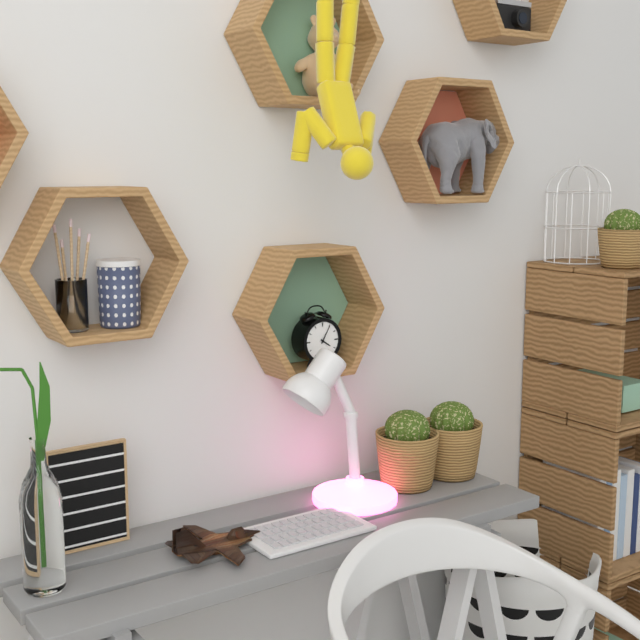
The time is 4 h 05 min
